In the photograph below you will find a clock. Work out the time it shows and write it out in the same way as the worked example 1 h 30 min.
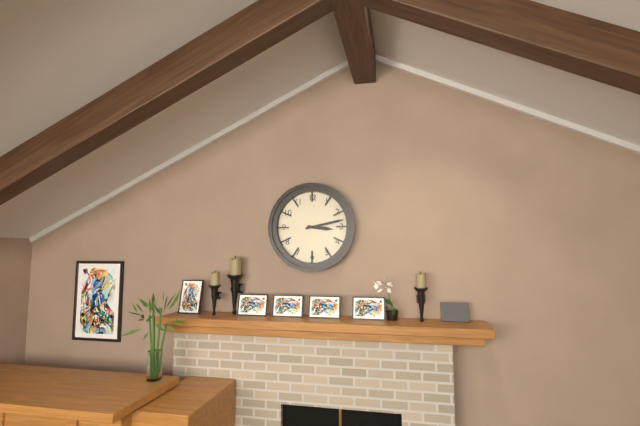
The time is 3 h 13 min
